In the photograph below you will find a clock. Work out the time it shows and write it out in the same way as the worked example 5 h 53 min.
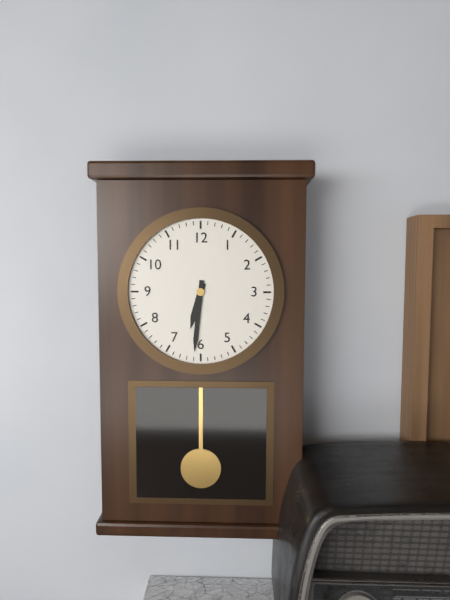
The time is 6 h 31 min
